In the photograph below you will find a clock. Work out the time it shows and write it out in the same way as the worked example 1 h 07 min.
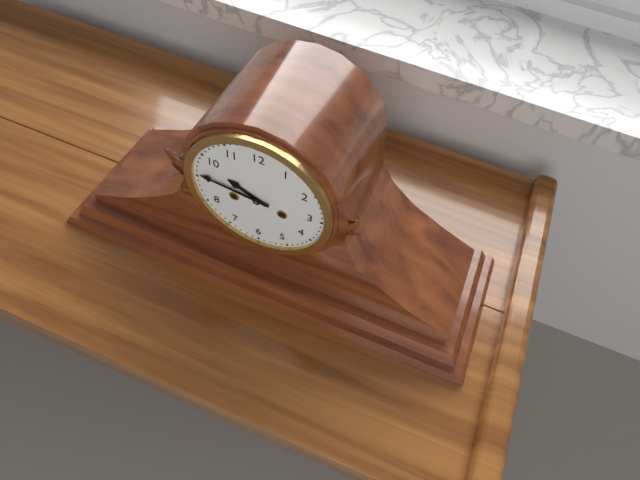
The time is 9 h 46 min
